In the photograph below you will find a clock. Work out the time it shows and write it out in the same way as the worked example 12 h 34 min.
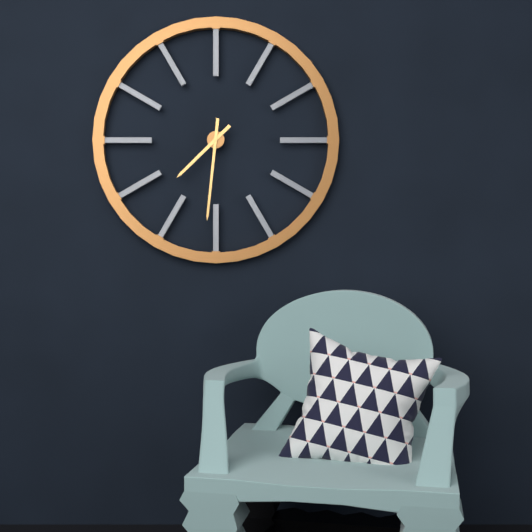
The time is 7 h 31 min
